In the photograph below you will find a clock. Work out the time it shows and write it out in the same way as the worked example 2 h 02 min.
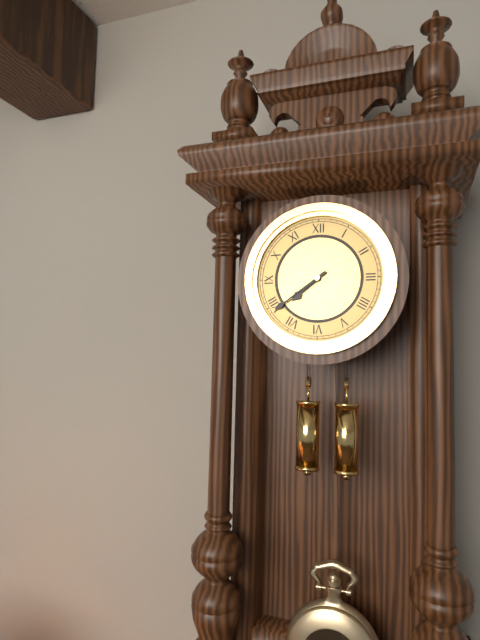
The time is 7 h 39 min
